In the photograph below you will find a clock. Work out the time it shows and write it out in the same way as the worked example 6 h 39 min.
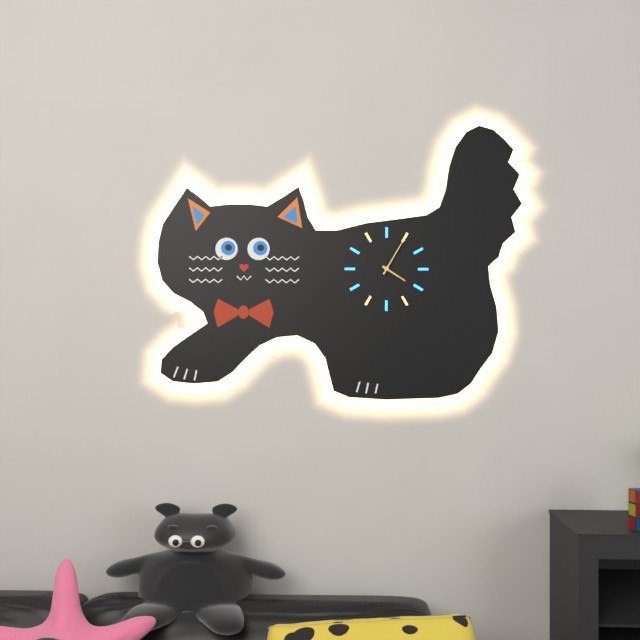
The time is 4 h 05 min
